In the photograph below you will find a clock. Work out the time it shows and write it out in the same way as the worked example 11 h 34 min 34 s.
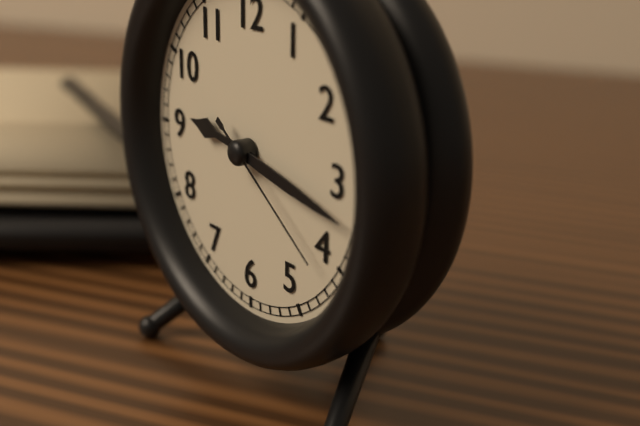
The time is 9 h 17 min 21 s
